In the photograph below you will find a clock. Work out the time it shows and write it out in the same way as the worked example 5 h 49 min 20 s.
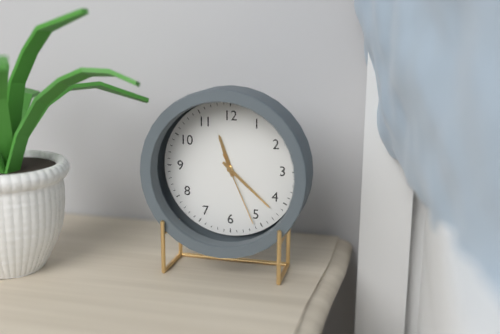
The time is 11 h 22 min 26 s
